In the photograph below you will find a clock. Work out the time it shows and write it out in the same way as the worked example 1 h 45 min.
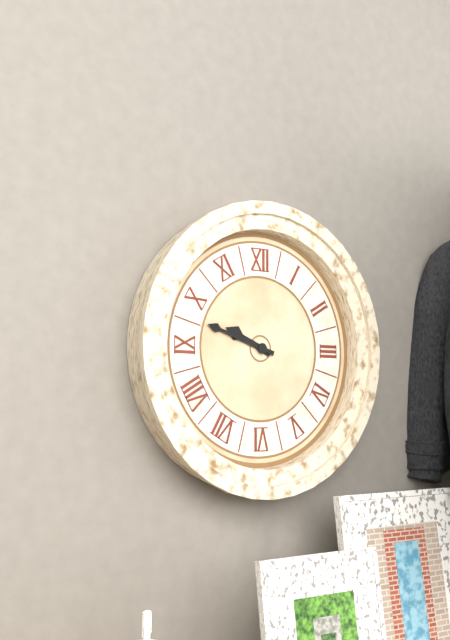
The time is 9 h 48 min
